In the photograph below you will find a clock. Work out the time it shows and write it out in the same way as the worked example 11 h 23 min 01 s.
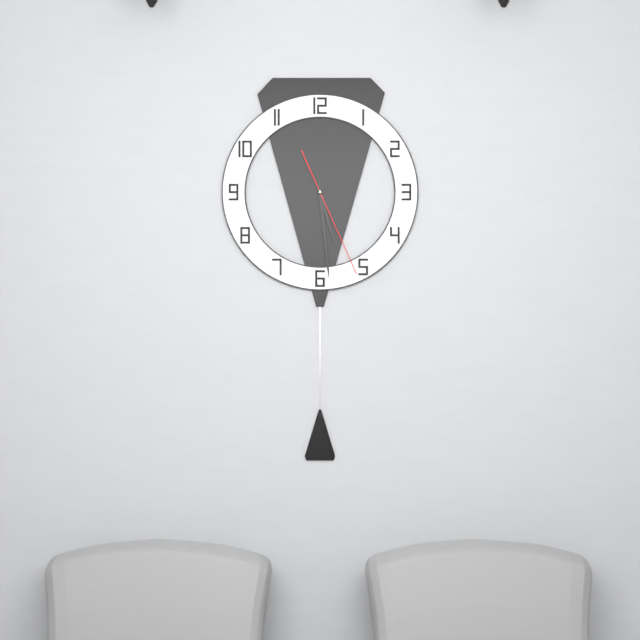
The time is 5 h 29 min 26 s
